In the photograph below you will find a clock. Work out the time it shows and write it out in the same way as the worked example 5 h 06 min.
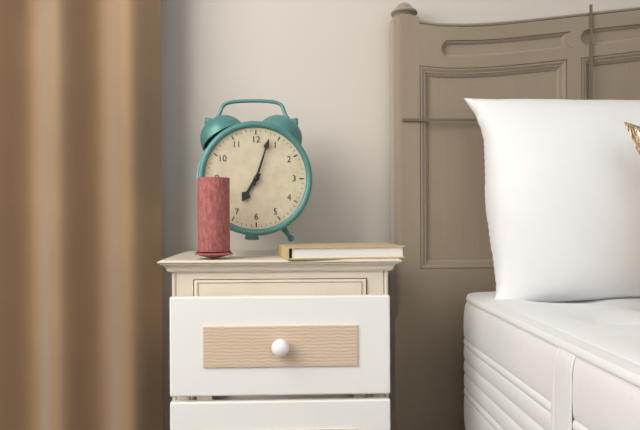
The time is 7 h 03 min
